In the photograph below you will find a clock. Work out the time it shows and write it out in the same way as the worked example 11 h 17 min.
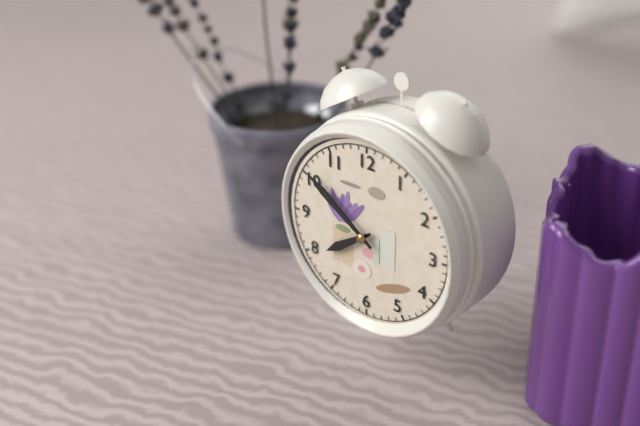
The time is 7 h 51 min
